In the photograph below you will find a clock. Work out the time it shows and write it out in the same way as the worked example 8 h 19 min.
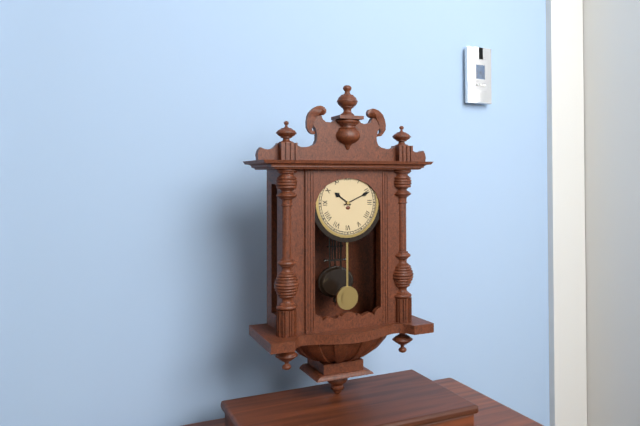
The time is 10 h 11 min
